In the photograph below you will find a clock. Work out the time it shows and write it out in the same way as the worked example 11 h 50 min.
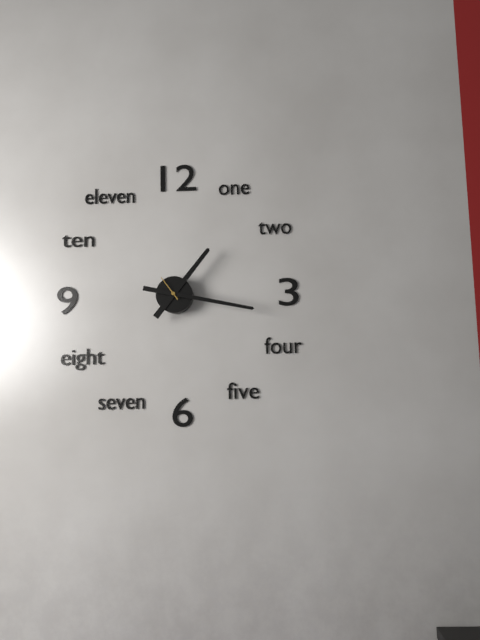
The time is 1 h 17 min
